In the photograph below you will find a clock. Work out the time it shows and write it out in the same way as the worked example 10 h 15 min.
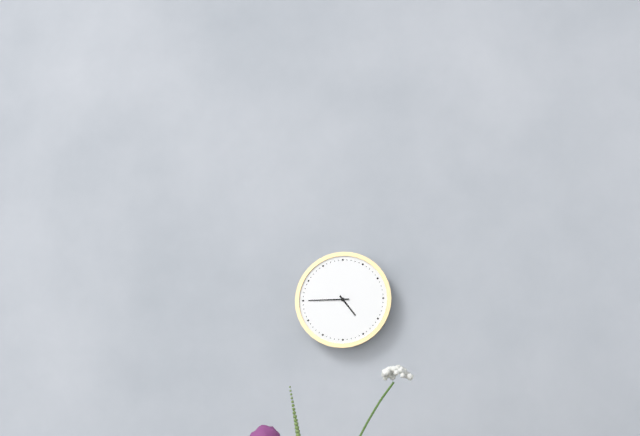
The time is 4 h 45 min
